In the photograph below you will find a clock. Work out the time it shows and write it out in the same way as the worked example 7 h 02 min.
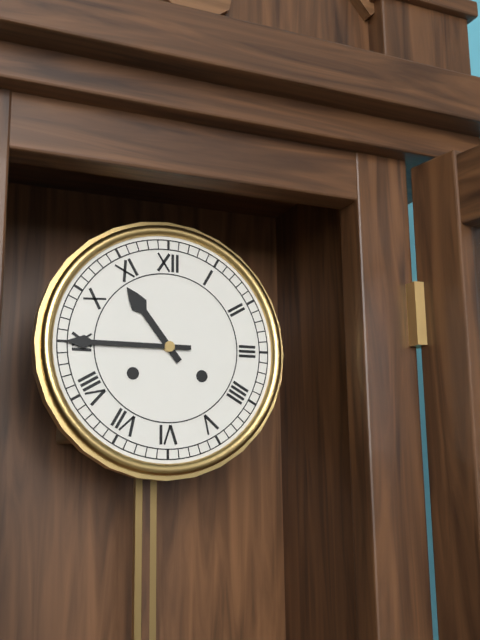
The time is 10 h 45 min
